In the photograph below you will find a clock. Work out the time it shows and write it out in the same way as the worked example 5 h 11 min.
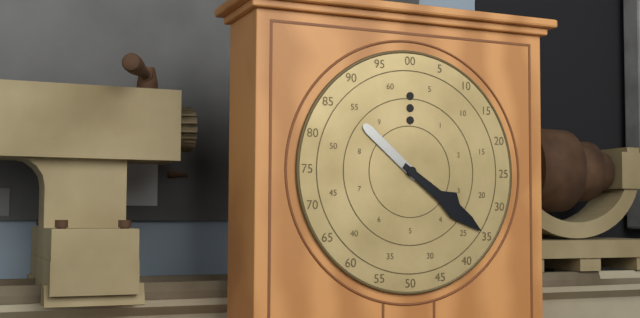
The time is 10 h 21 min
